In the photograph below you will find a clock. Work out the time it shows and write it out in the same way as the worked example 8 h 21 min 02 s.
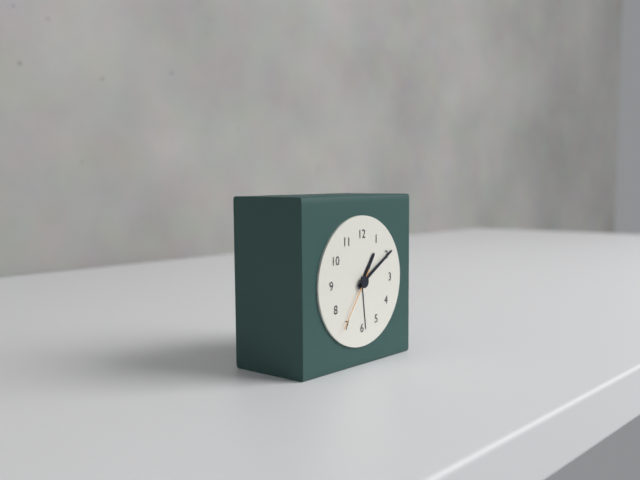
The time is 1 h 10 min 36 s
